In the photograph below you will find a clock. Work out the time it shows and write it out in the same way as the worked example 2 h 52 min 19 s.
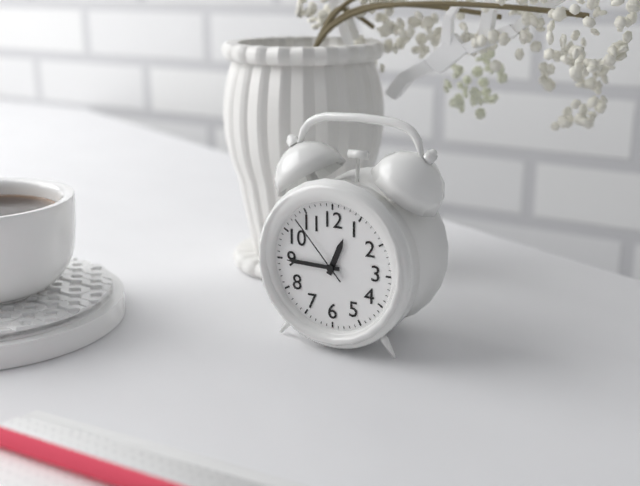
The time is 12 h 45 min 53 s
